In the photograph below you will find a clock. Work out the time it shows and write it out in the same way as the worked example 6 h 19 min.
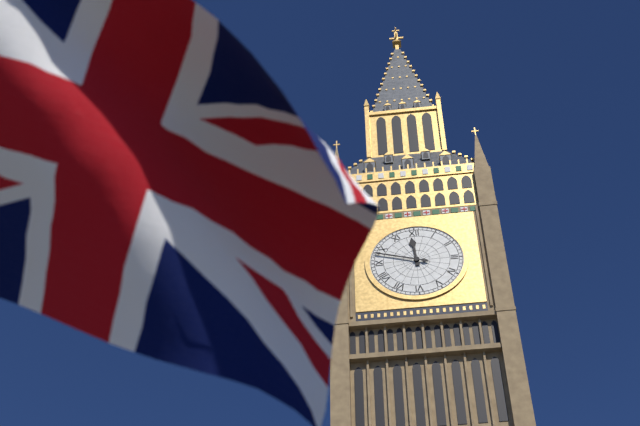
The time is 11 h 48 min
